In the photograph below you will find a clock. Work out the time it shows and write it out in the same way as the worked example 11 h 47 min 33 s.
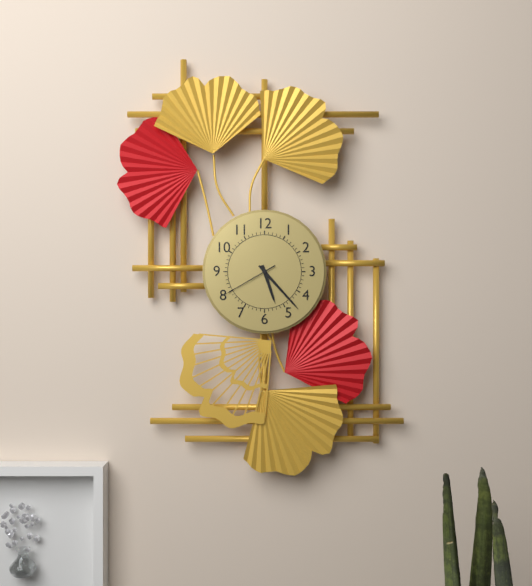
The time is 5 h 23 min 40 s
